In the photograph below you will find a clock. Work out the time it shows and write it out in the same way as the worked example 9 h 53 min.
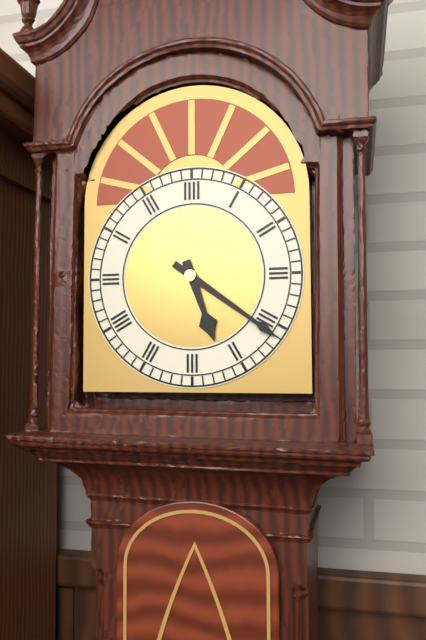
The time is 5 h 21 min
